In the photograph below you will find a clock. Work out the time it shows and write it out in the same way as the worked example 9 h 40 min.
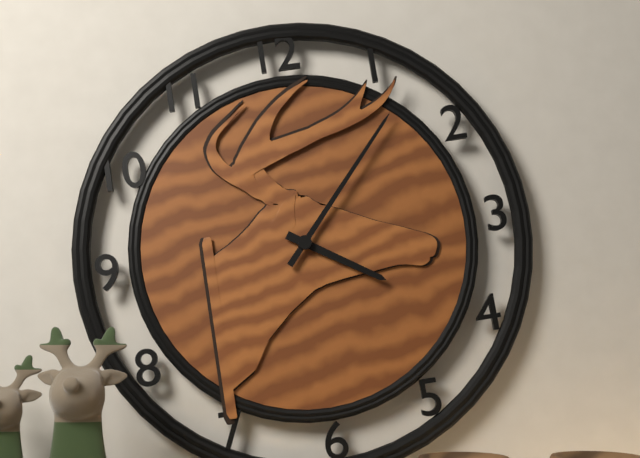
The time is 4 h 07 min
